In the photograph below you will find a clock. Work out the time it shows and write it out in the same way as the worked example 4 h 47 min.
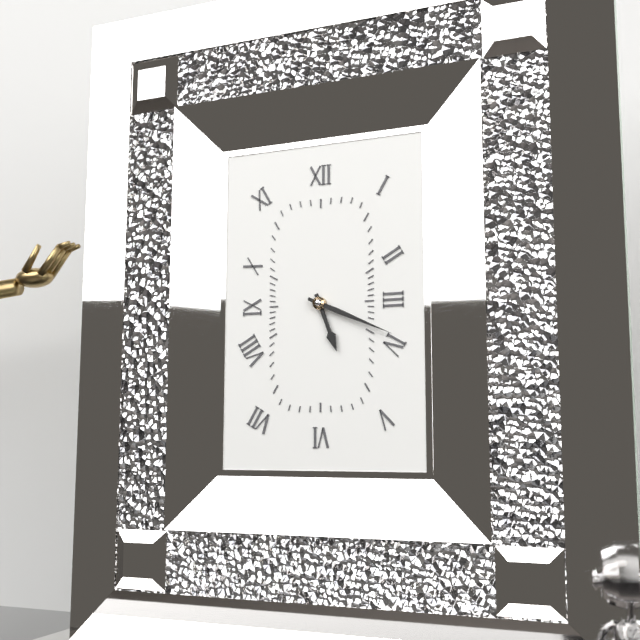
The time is 5 h 19 min
